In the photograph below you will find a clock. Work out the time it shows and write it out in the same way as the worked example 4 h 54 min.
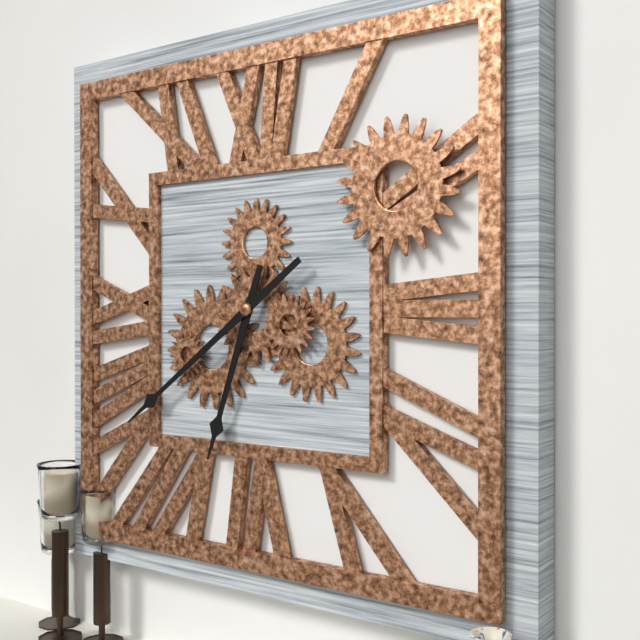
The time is 6 h 39 min
